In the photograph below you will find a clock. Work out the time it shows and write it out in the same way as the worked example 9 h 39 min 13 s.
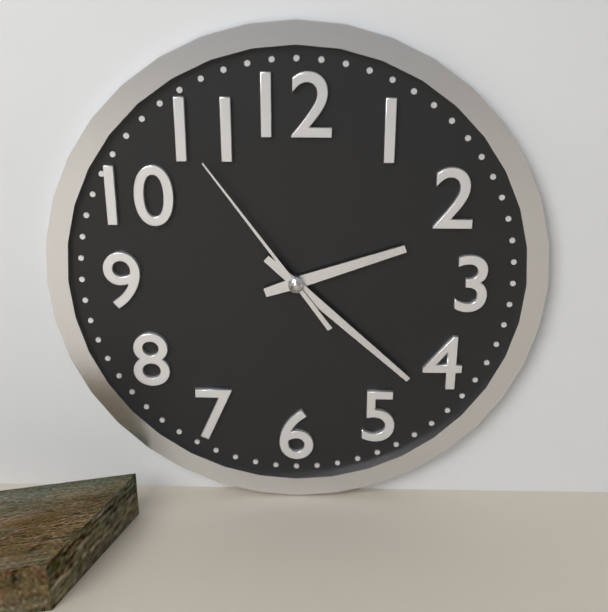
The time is 2 h 22 min 54 s
